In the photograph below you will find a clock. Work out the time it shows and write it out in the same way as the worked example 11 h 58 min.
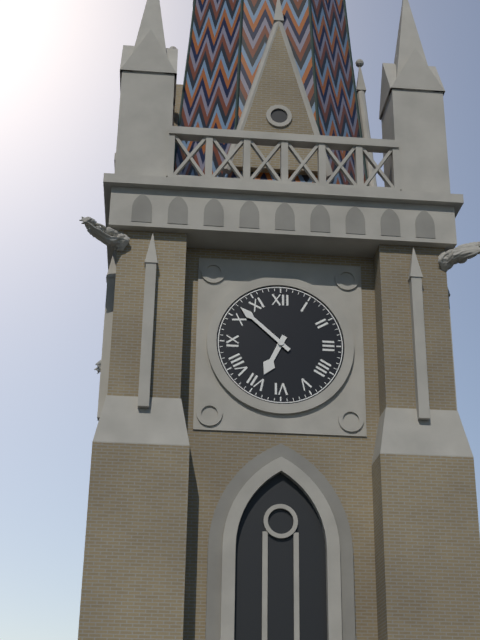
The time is 6 h 52 min
